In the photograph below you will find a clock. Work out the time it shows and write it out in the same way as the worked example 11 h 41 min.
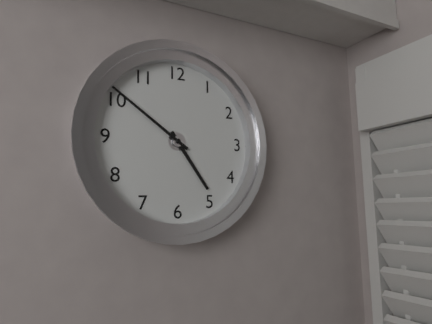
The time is 4 h 51 min
